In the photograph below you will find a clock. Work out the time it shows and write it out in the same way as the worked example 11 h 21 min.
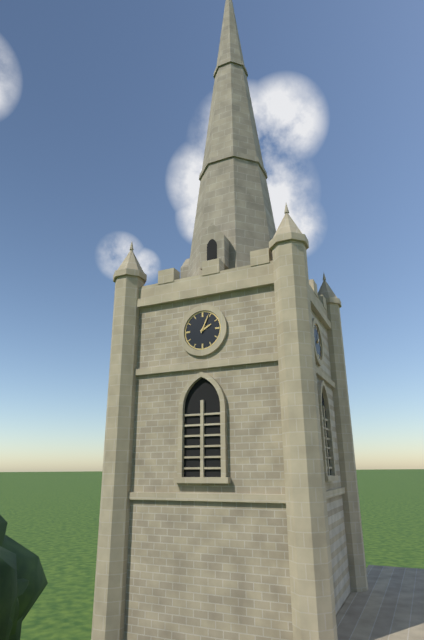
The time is 2 h 04 min
